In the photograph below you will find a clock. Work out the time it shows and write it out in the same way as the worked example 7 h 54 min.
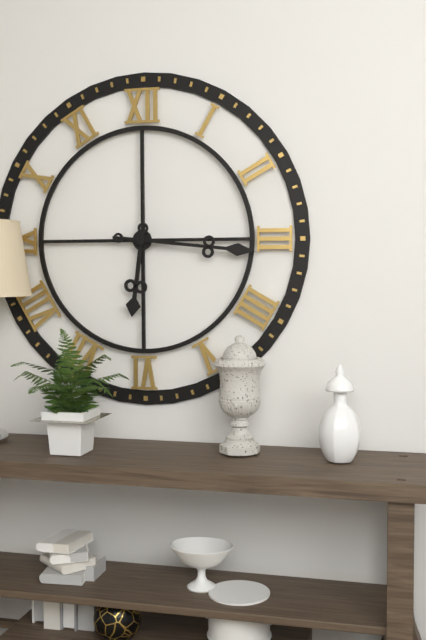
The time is 6 h 16 min
